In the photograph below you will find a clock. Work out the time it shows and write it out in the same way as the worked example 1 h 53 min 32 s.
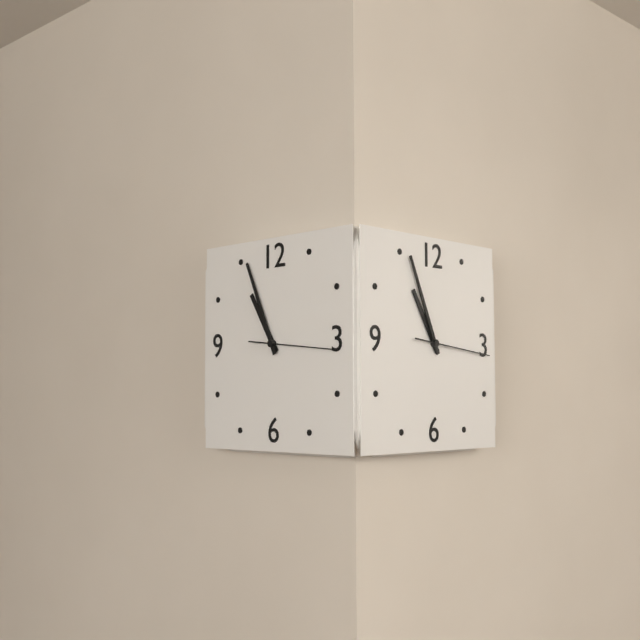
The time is 10 h 56 min 16 s
